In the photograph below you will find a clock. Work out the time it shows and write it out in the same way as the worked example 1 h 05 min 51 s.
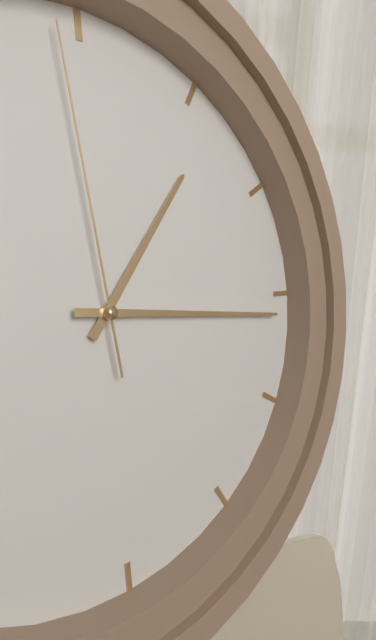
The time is 1 h 16 min 59 s
